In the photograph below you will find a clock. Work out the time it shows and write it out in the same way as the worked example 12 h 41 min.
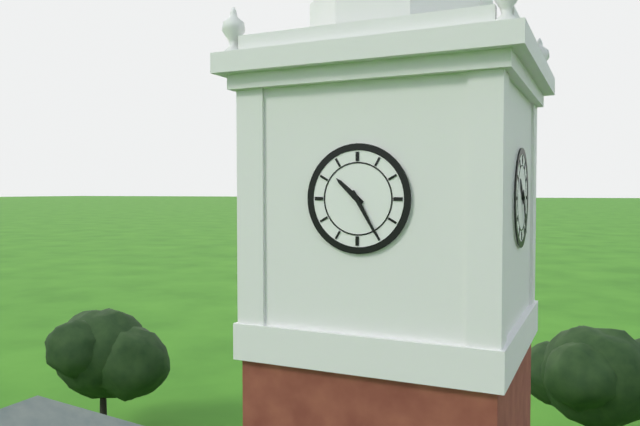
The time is 10 h 25 min
